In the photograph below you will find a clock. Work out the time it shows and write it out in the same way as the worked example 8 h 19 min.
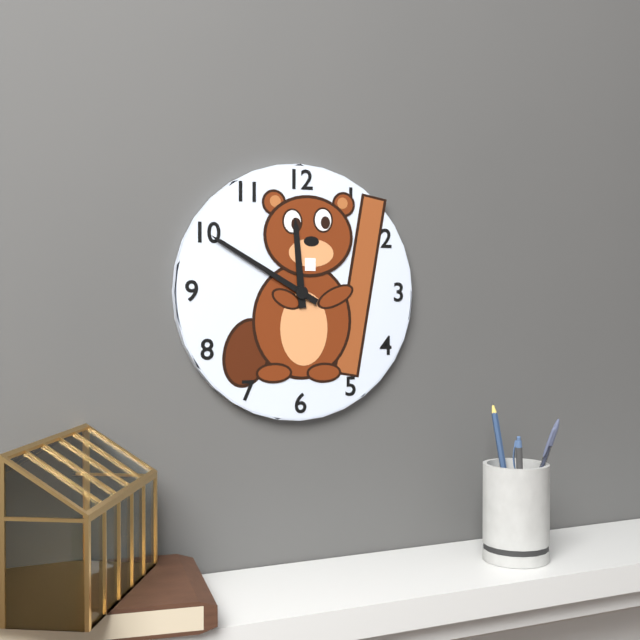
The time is 11 h 50 min
